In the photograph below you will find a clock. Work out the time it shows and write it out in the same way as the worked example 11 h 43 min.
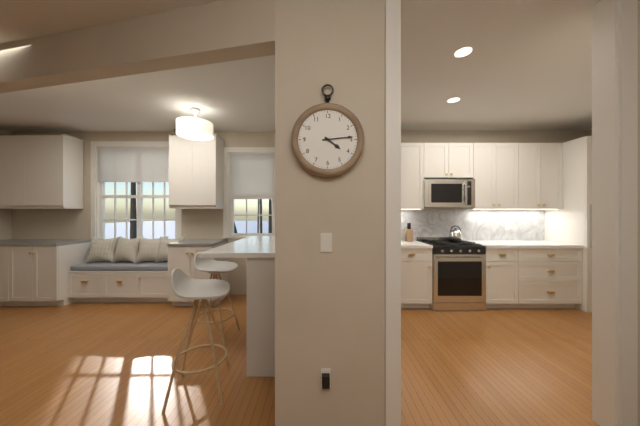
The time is 4 h 14 min
